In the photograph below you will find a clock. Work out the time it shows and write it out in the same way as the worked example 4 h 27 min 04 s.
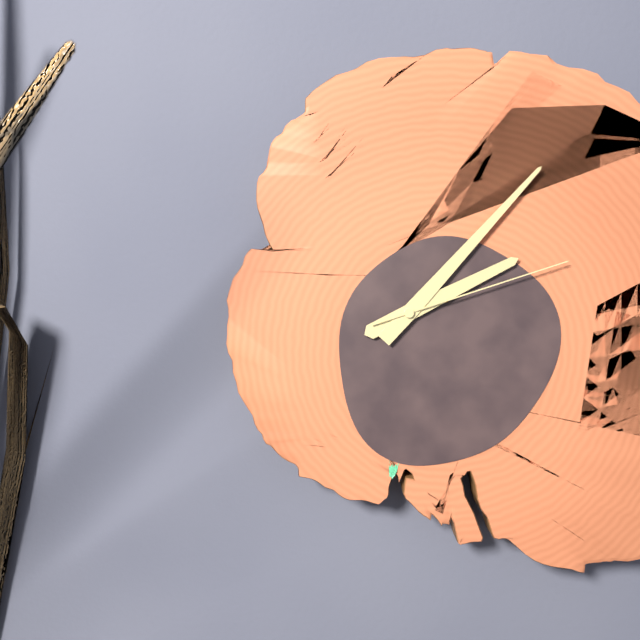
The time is 2 h 07 min 12 s
